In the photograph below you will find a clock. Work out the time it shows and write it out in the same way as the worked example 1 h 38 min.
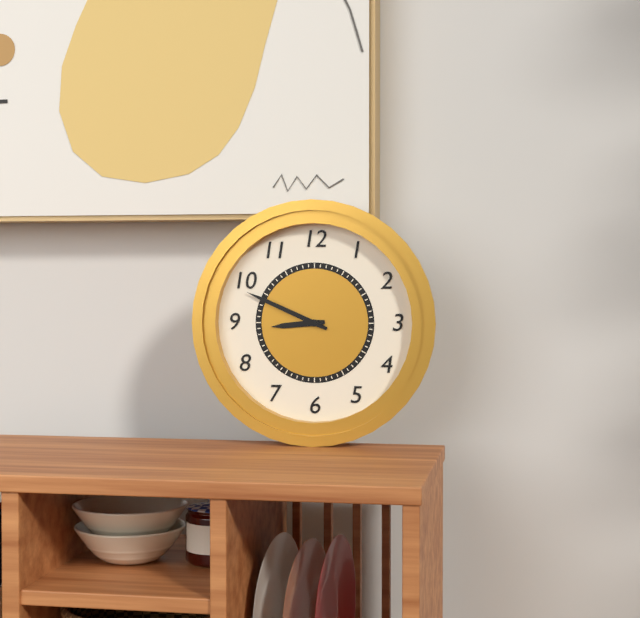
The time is 8 h 49 min
